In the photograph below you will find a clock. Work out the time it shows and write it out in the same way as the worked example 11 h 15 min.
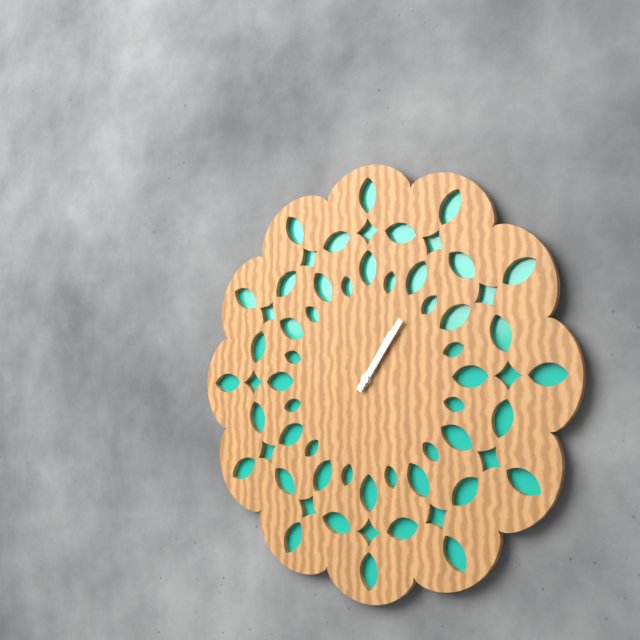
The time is 1 h 06 min
